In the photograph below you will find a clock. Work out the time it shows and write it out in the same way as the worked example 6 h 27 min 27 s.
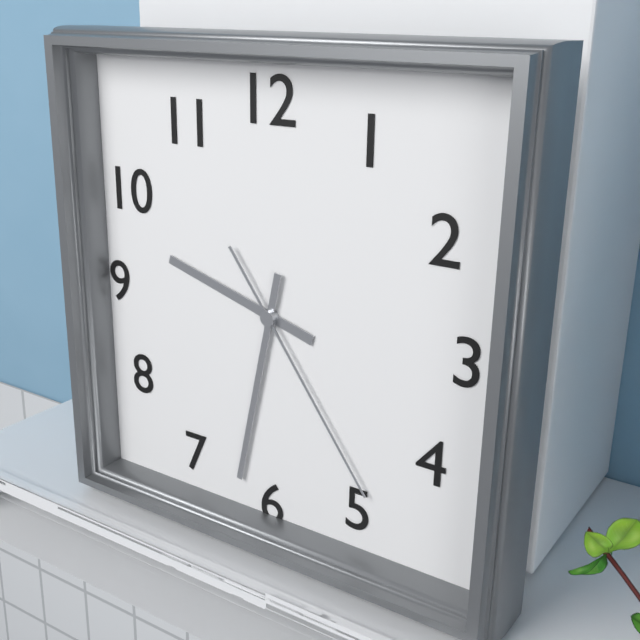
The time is 9 h 32 min 24 s
